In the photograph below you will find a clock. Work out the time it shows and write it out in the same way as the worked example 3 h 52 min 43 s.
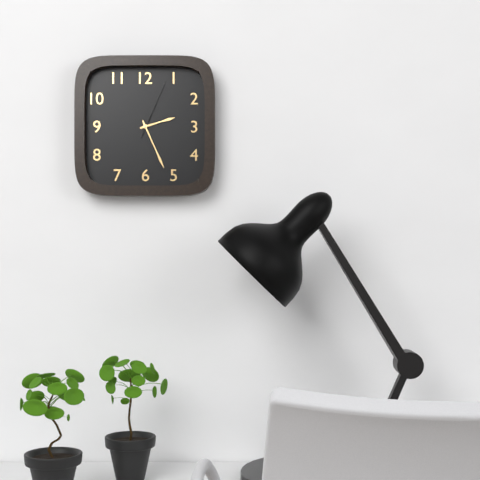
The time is 2 h 26 min 04 s
